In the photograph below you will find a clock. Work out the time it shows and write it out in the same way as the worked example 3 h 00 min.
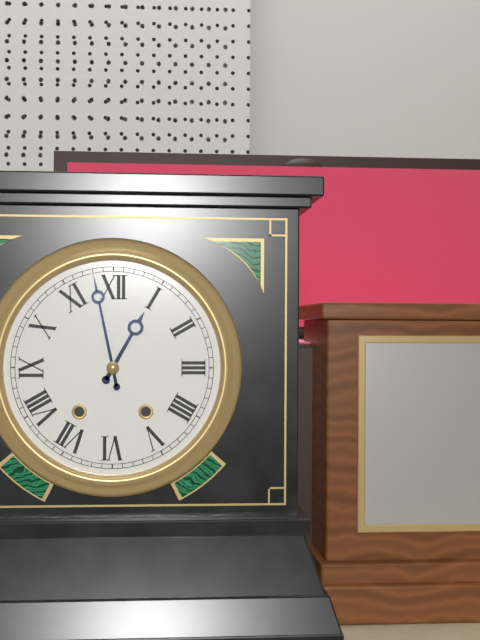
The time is 12 h 58 min
